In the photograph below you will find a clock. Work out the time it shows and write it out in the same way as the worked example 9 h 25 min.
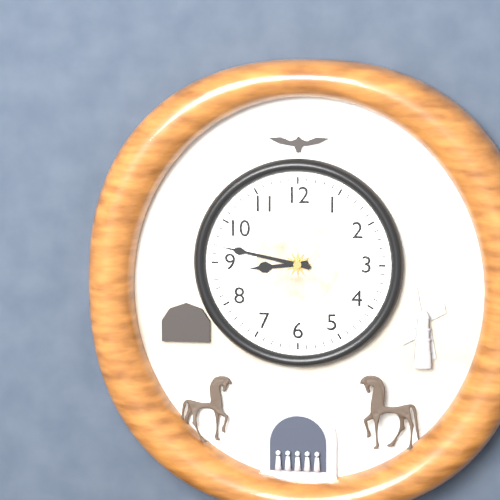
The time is 8 h 47 min
